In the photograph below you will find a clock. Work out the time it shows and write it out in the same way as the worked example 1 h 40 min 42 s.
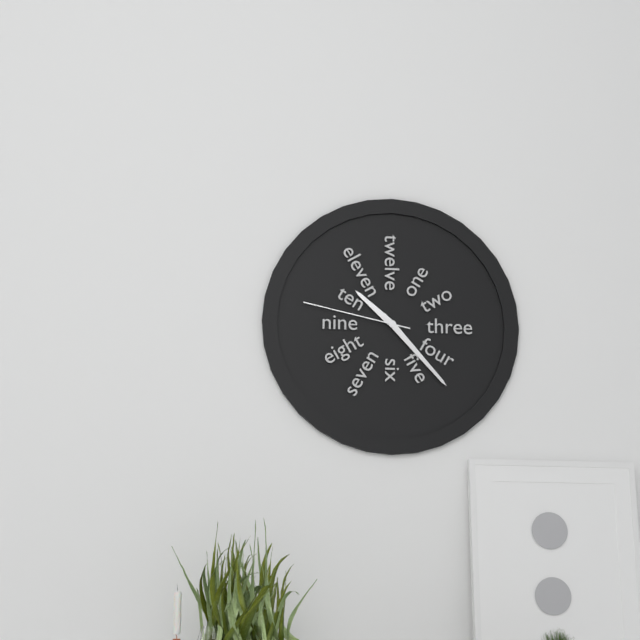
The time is 10 h 23 min 47 s
